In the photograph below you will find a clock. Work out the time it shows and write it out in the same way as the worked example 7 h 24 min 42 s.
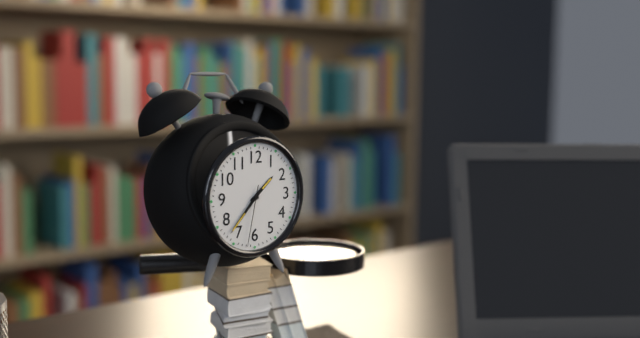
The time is 1 h 37 min 32 s
